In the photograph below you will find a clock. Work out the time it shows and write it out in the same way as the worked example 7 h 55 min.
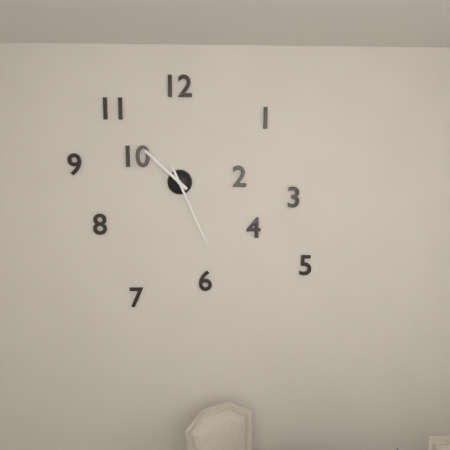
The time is 10 h 26 min
